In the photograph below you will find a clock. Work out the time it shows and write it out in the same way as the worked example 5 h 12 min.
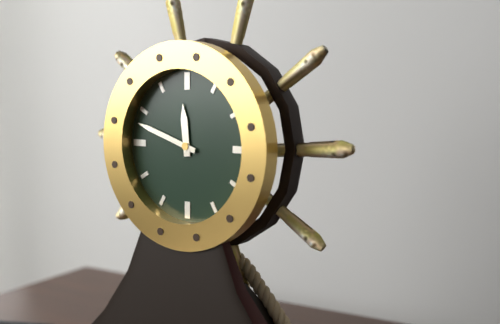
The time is 11 h 48 min
